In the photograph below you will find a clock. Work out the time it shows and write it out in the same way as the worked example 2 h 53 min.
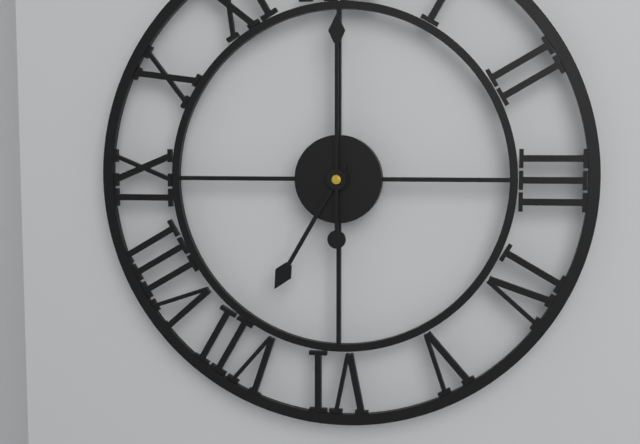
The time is 7 h 00 min
